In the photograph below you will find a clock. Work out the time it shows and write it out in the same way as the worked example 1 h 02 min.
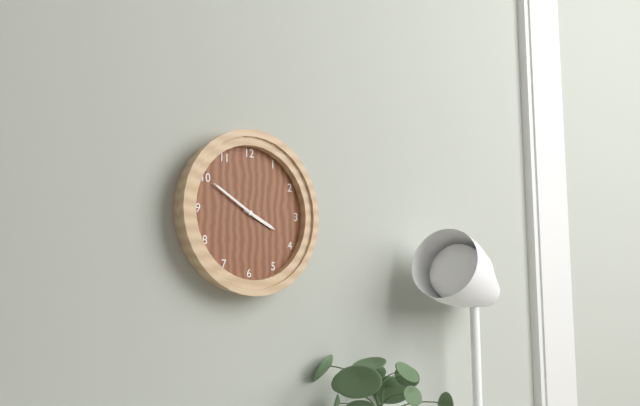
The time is 3 h 50 min
